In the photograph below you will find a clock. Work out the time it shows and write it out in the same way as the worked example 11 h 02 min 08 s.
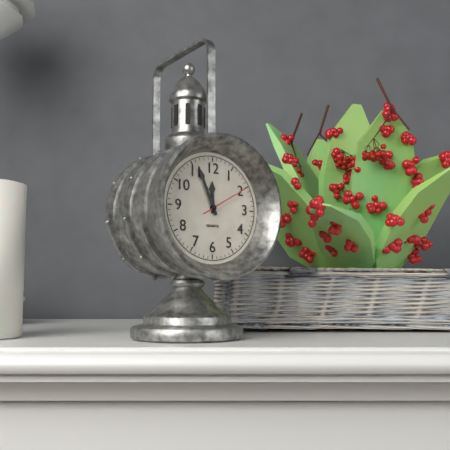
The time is 11 h 56 min 10 s
